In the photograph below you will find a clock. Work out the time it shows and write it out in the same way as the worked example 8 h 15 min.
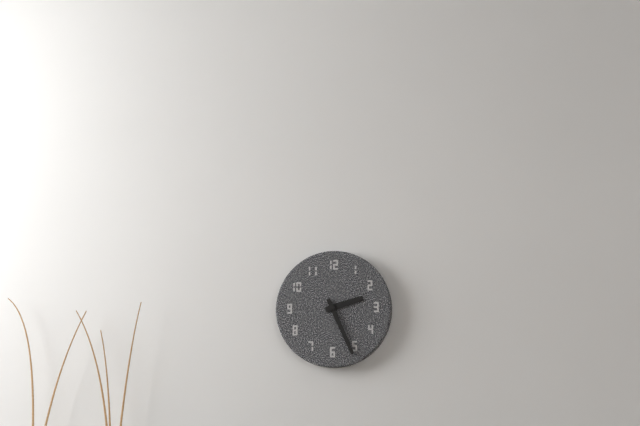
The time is 2 h 26 min
